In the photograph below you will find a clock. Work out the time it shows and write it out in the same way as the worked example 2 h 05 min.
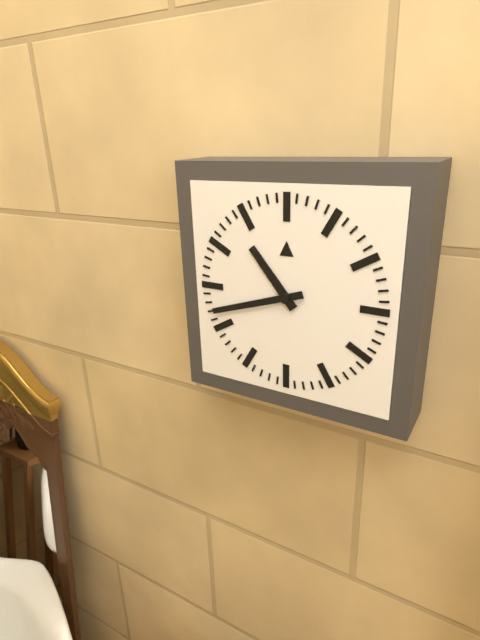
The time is 10 h 42 min
